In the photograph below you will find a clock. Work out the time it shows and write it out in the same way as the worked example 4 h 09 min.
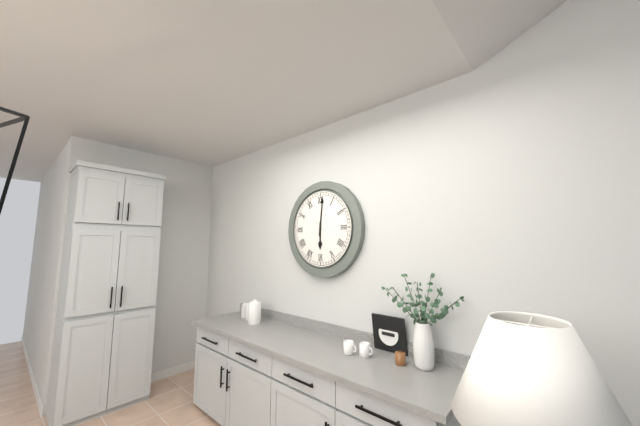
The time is 6 h 01 min
